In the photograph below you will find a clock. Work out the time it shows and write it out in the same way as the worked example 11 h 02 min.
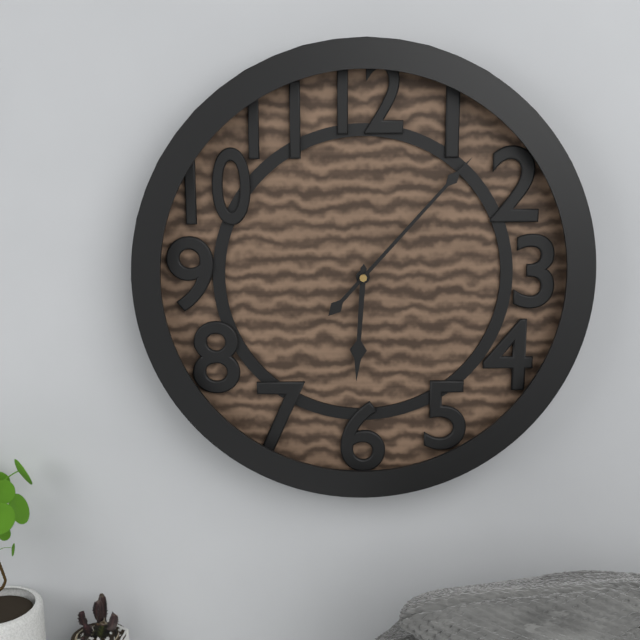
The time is 6 h 07 min
